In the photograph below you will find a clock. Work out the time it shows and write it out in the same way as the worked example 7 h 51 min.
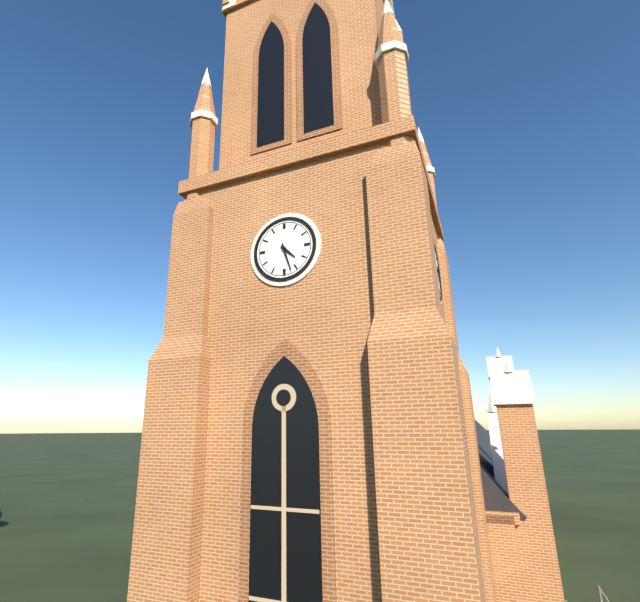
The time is 4 h 27 min
